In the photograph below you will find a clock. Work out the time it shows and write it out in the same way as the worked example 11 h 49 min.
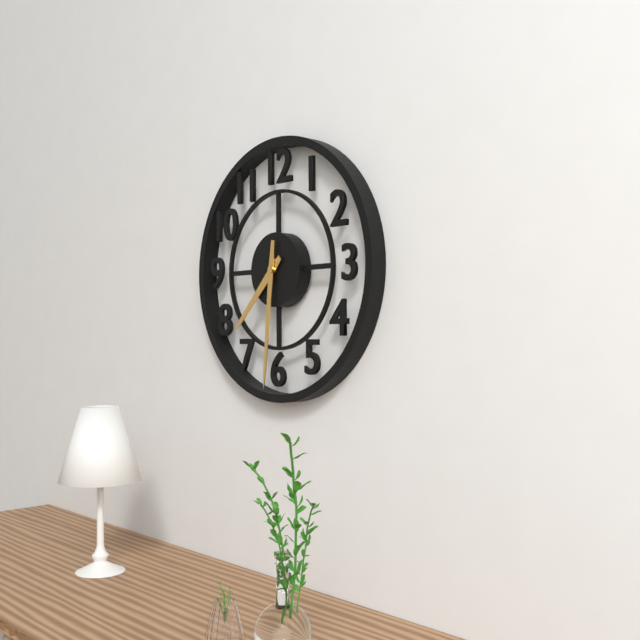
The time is 7 h 31 min
